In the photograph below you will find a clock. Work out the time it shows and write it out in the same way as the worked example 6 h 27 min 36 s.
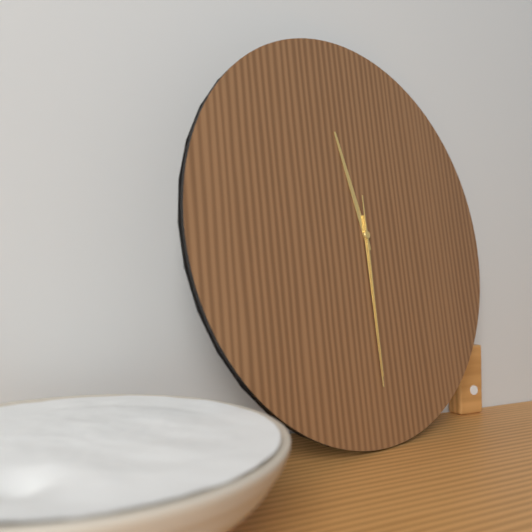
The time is 11 h 30 min 30 s
